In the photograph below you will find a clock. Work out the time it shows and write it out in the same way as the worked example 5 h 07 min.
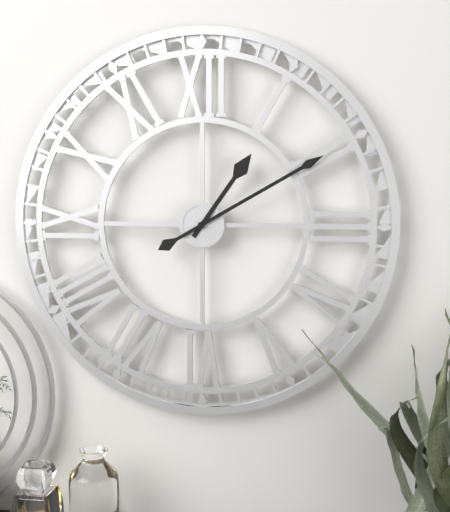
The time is 1 h 10 min
